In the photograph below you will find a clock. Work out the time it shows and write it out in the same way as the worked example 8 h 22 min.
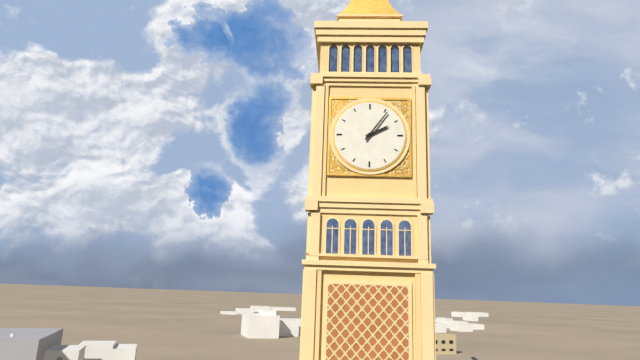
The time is 2 h 06 min
